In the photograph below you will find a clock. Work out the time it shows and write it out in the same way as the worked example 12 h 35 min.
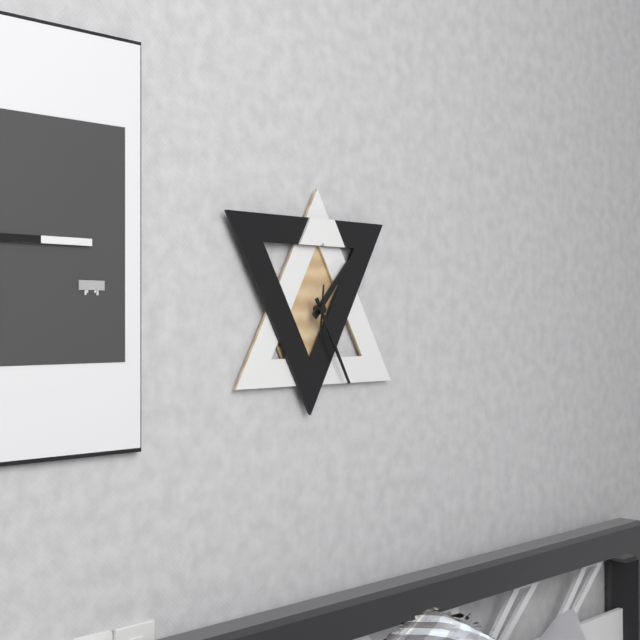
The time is 1 h 25 min
